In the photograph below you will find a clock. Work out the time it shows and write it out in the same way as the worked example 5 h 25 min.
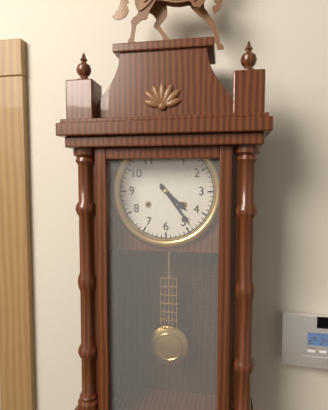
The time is 4 h 24 min
